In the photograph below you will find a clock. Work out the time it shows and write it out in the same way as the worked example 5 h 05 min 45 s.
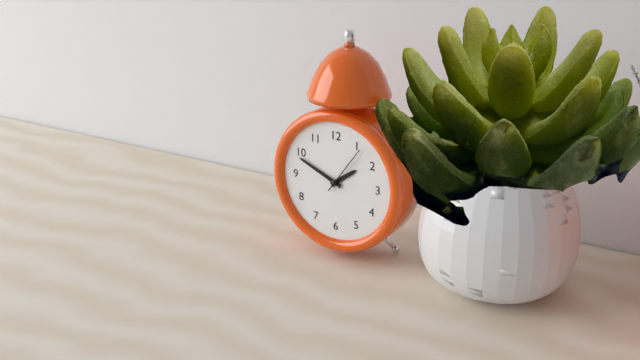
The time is 1 h 49 min 06 s
